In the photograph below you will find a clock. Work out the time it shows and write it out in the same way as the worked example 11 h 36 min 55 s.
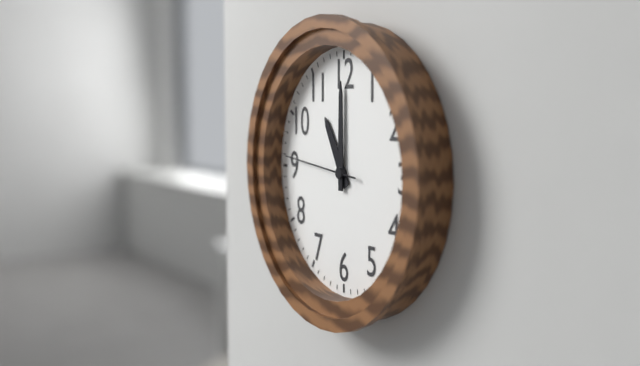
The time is 11 h 00 min 46 s
